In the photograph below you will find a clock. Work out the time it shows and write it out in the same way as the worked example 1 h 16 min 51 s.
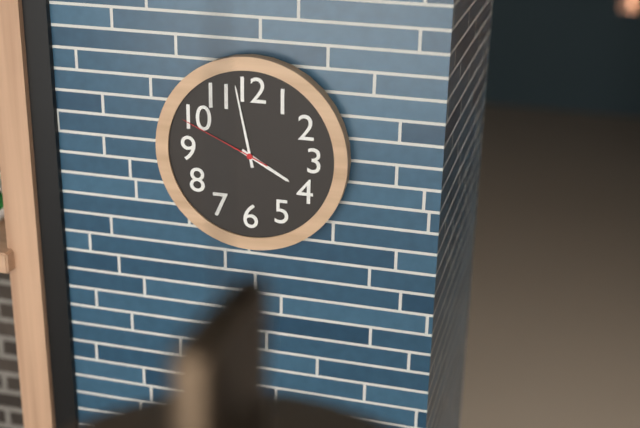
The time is 3 h 58 min 49 s
